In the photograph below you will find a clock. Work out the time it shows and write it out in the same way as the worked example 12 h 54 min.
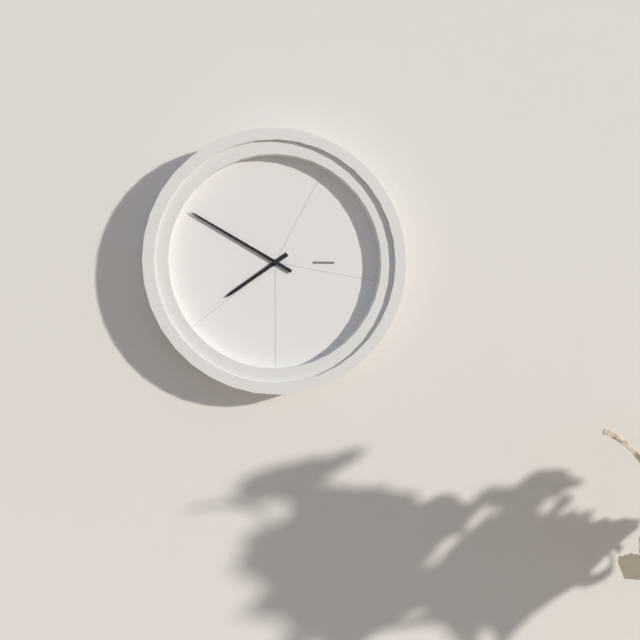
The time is 7 h 50 min
